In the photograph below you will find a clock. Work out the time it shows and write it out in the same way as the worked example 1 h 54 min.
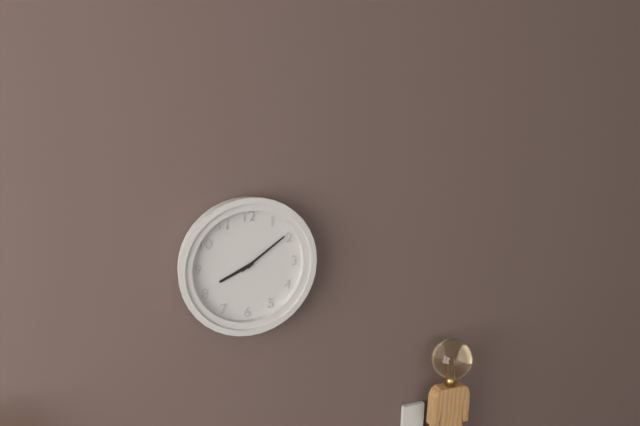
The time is 8 h 09 min
